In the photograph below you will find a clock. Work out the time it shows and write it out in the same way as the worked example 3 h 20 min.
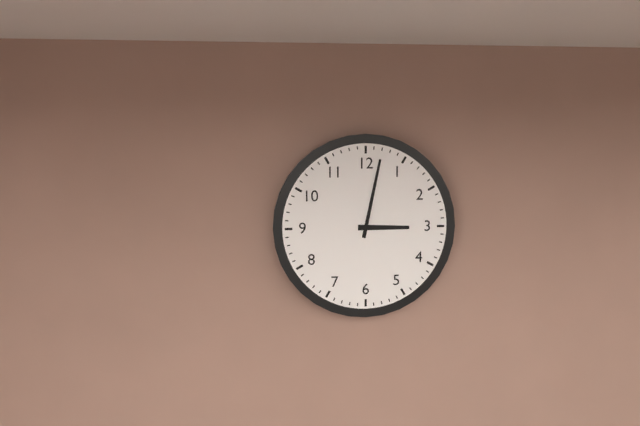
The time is 3 h 02 min
